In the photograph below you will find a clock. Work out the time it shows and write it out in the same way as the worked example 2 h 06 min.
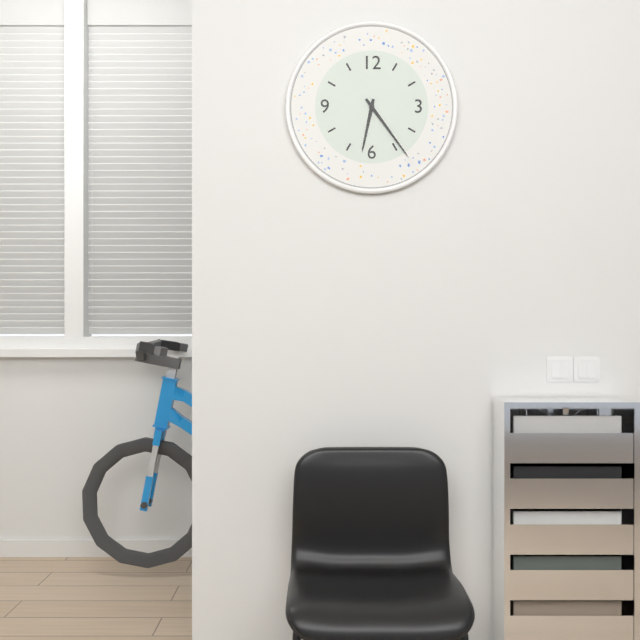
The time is 6 h 24 min
